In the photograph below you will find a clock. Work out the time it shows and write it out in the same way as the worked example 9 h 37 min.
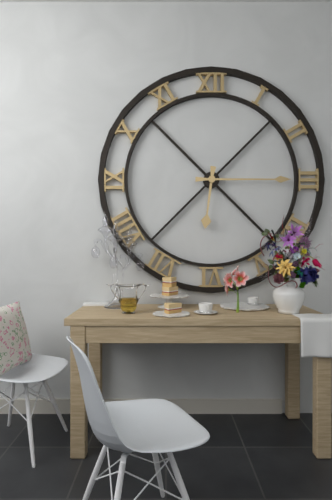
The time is 6 h 15 min
